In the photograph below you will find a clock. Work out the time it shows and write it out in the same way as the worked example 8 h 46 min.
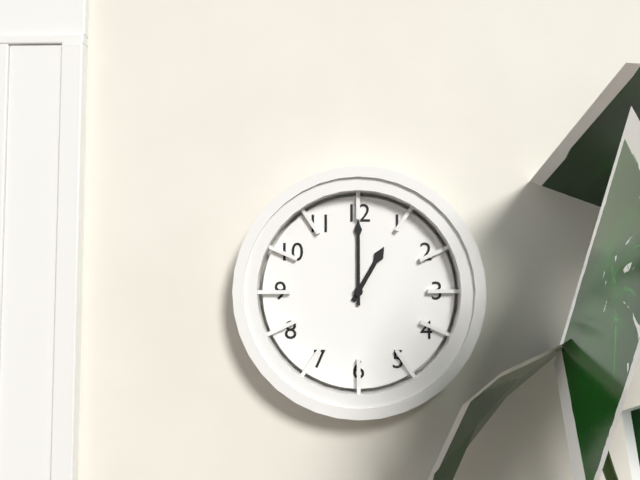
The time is 1 h 00 min
